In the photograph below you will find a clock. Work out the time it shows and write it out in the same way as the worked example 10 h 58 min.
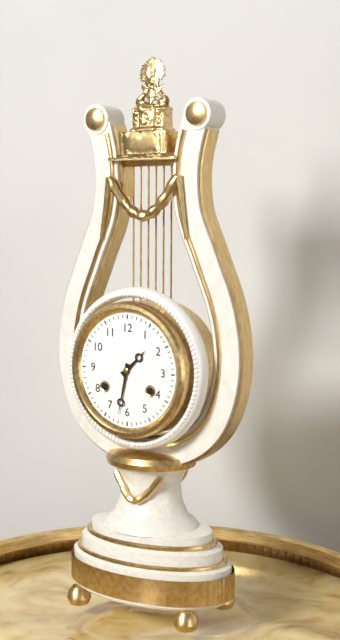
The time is 1 h 32 min
